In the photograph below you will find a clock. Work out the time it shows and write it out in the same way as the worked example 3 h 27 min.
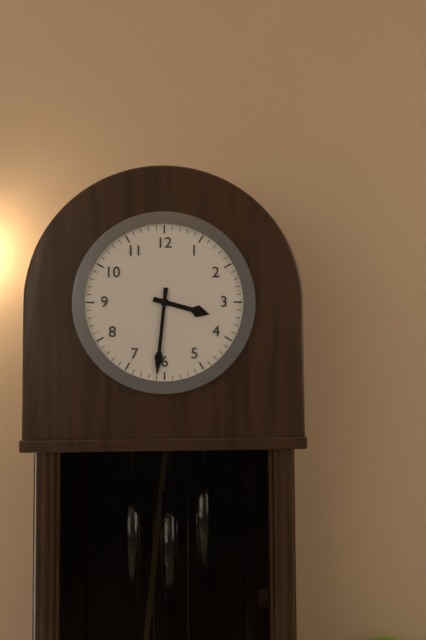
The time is 3 h 31 min
